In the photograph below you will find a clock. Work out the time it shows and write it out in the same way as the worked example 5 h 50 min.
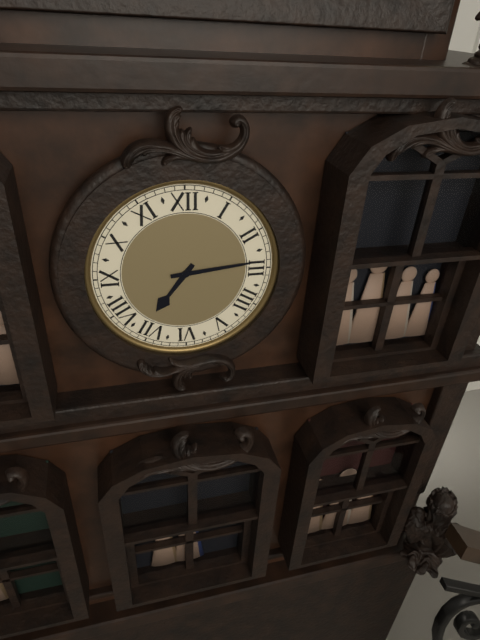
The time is 7 h 14 min
